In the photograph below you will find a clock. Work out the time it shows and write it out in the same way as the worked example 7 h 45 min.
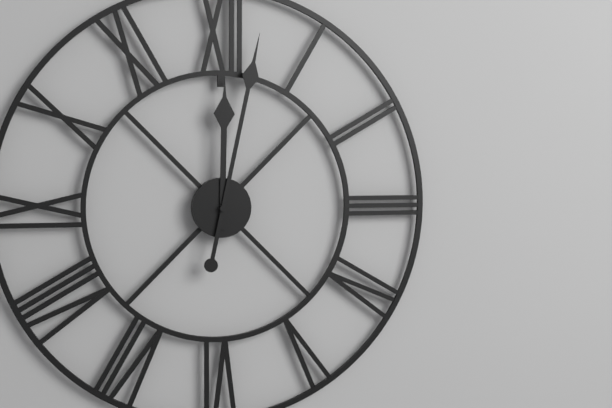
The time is 12 h 02 min
